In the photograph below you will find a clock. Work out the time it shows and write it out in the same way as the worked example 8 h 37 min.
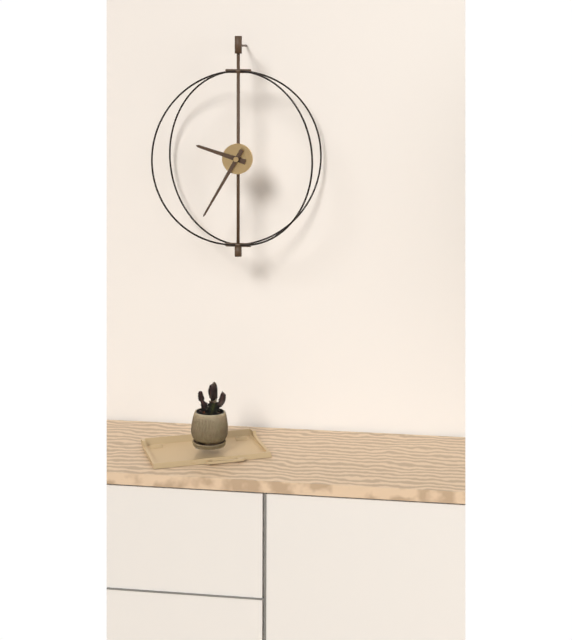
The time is 9 h 35 min
